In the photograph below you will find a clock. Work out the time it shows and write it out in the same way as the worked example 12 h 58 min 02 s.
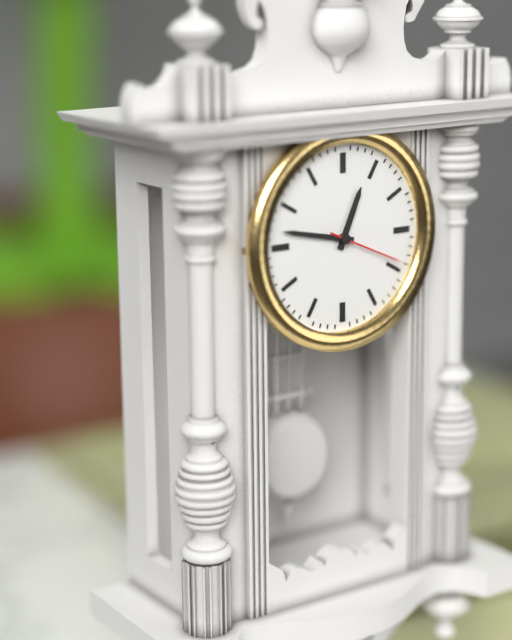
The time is 12 h 47 min 19 s
